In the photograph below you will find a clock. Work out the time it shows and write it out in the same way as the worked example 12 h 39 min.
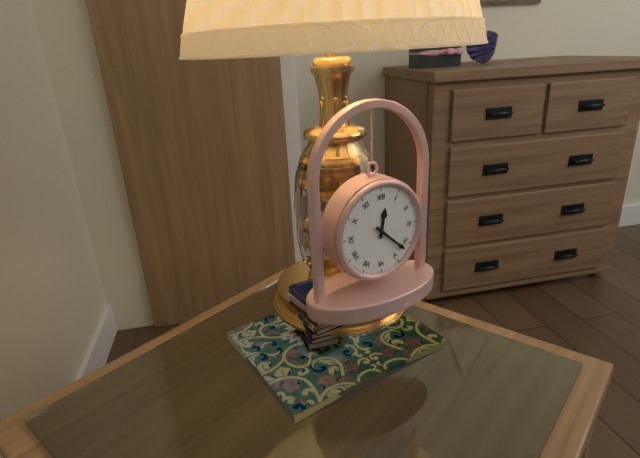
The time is 12 h 22 min
